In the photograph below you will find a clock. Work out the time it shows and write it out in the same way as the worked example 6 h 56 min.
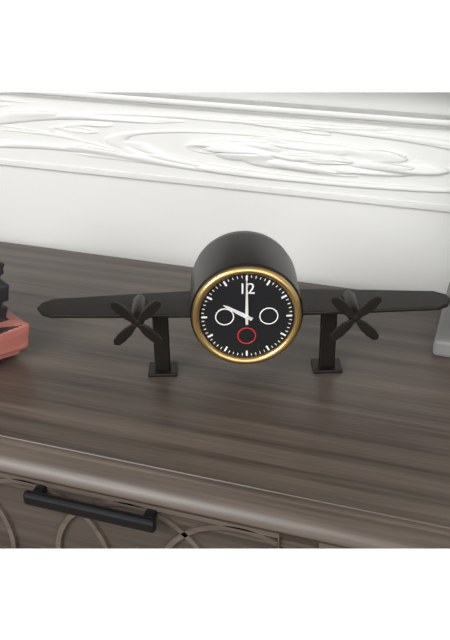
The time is 10 h 00 min
